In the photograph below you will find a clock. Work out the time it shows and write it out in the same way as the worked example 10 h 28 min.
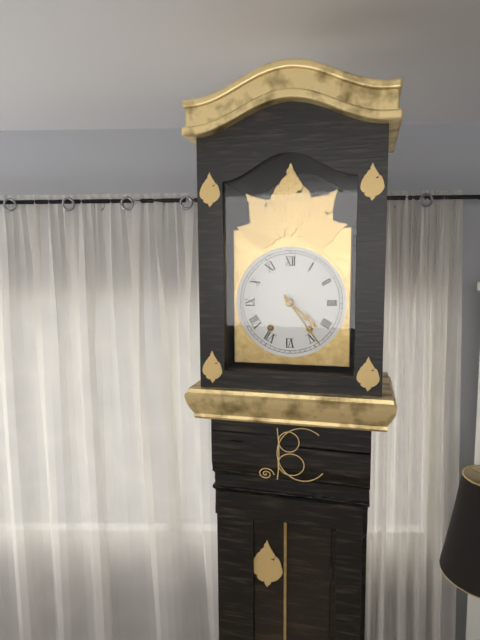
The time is 4 h 24 min
